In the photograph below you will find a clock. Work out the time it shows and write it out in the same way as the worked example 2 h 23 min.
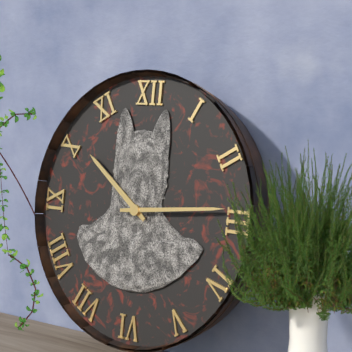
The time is 10 h 14 min
